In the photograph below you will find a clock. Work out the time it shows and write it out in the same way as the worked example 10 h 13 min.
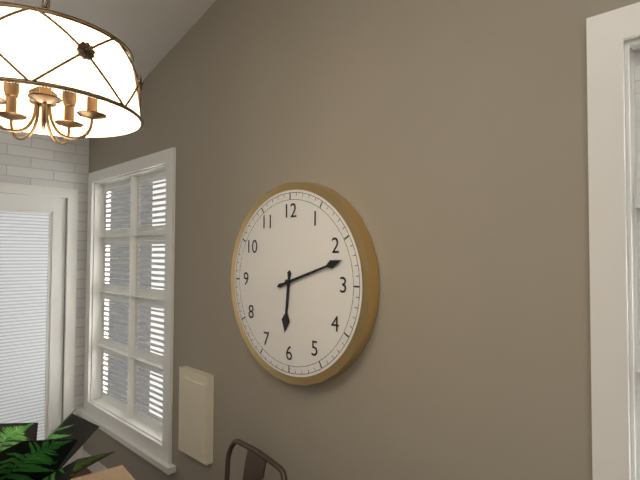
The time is 6 h 12 min
